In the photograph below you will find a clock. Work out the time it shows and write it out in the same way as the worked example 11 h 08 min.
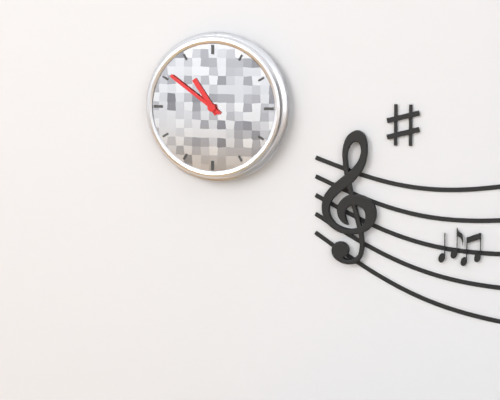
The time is 10 h 51 min
